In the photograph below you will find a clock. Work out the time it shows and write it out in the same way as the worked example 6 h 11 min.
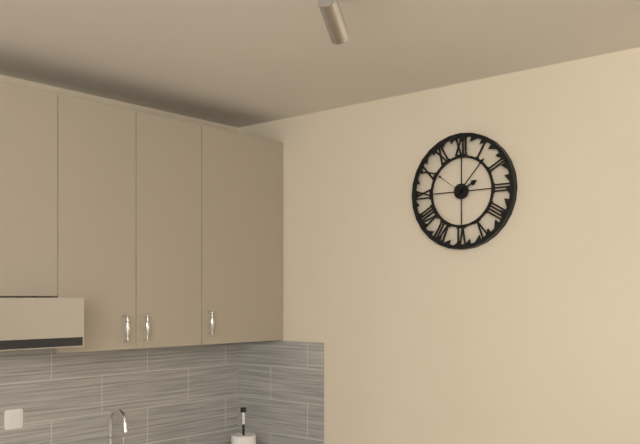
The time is 2 h 07 min
